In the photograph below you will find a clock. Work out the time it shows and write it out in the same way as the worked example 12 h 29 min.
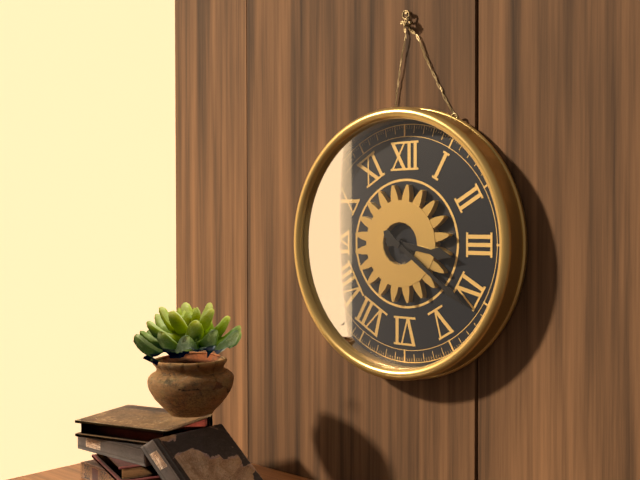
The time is 3 h 21 min
